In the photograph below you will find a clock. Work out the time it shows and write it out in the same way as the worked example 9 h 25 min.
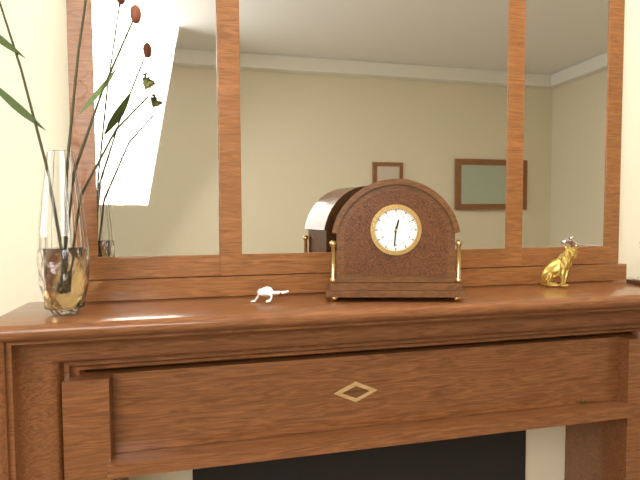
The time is 12 h 31 min
